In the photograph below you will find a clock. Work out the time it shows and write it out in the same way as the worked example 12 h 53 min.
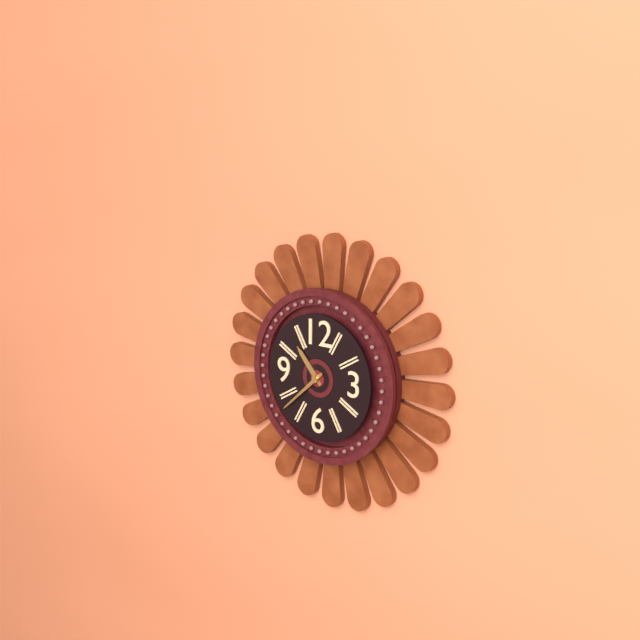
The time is 10 h 38 min
